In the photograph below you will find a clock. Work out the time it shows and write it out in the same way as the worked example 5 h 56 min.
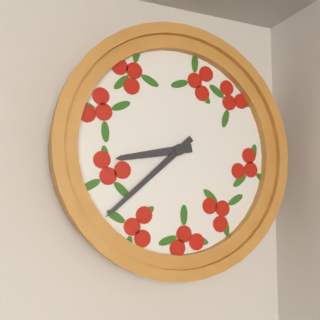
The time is 8 h 38 min
